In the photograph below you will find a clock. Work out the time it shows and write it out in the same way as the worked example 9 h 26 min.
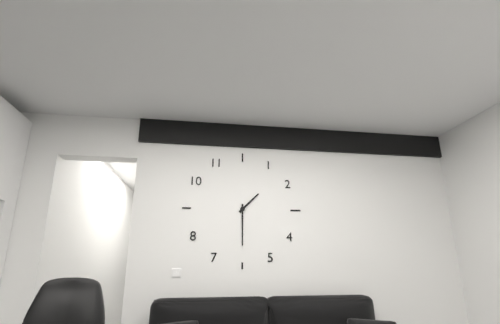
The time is 1 h 30 min
